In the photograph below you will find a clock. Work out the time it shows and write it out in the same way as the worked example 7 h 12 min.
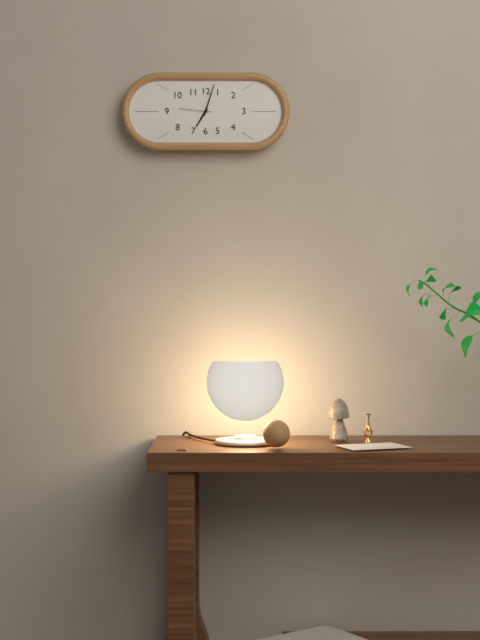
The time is 7 h 03 min
